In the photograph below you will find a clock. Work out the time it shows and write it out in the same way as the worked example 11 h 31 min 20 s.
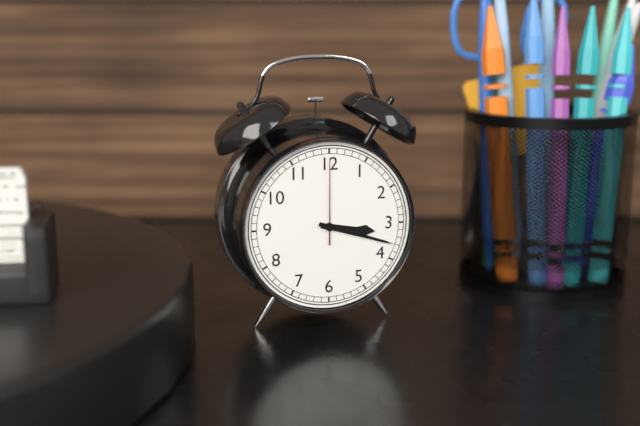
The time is 3 h 18 min 00 s
